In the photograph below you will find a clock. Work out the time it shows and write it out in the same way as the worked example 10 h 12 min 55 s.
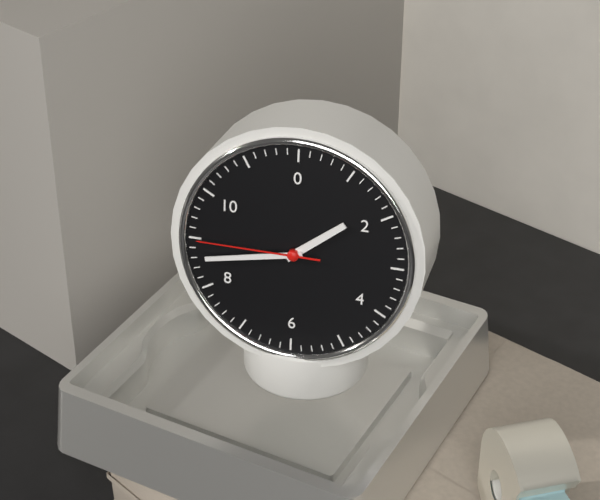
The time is 1 h 43 min 45 s
